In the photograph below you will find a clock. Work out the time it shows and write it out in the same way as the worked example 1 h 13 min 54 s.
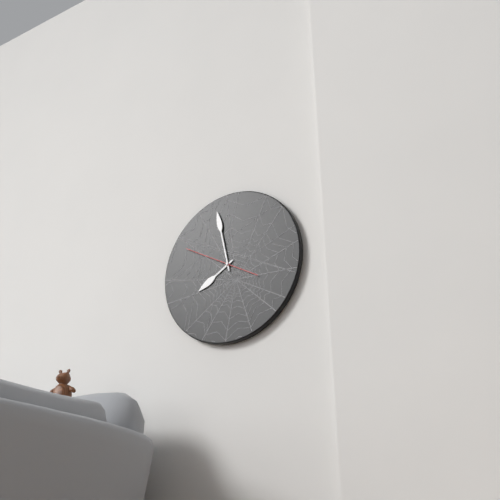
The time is 7 h 58 min 50 s
